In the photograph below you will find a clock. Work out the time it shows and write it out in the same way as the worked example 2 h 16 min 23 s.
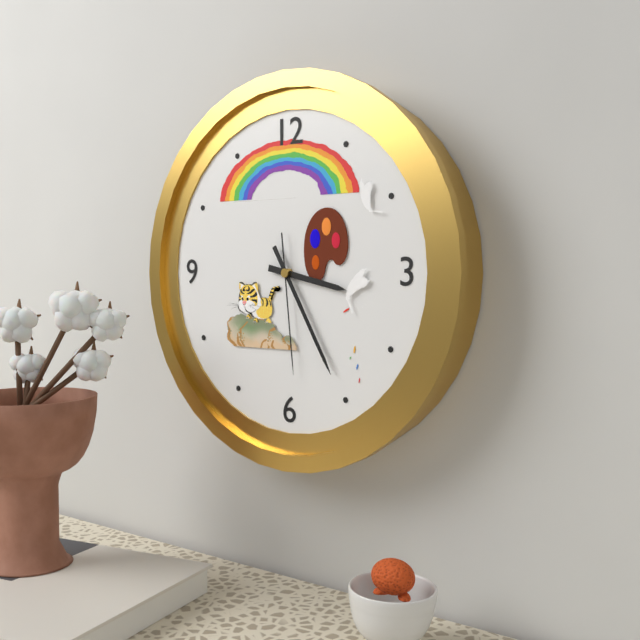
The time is 3 h 25 min 29 s
